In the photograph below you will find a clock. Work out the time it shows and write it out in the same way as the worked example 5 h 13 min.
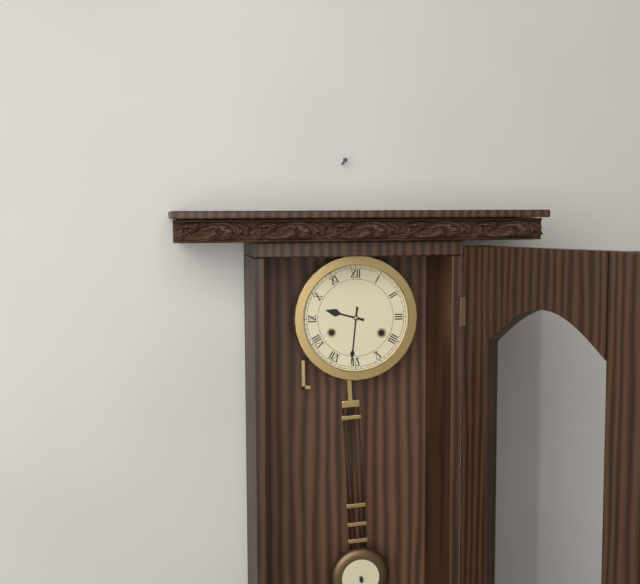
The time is 9 h 31 min
